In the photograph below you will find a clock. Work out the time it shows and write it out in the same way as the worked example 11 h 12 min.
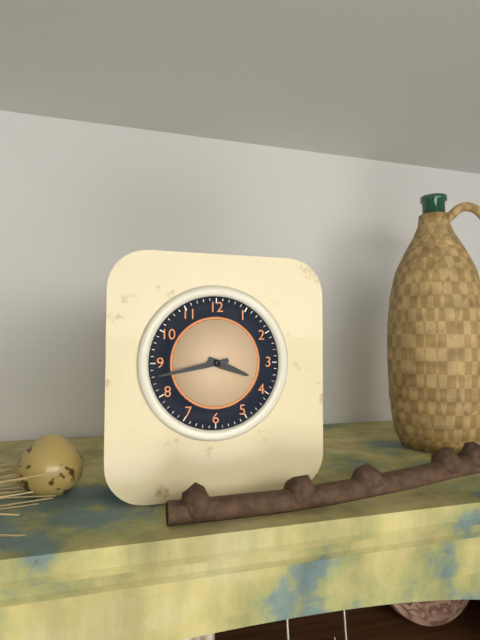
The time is 3 h 43 min
